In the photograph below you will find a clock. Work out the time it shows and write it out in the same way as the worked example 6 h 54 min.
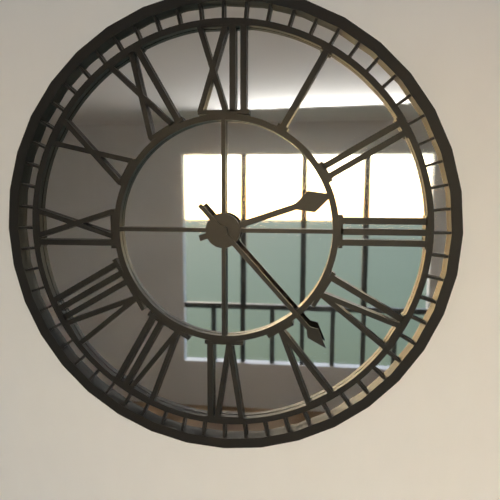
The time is 2 h 23 min
